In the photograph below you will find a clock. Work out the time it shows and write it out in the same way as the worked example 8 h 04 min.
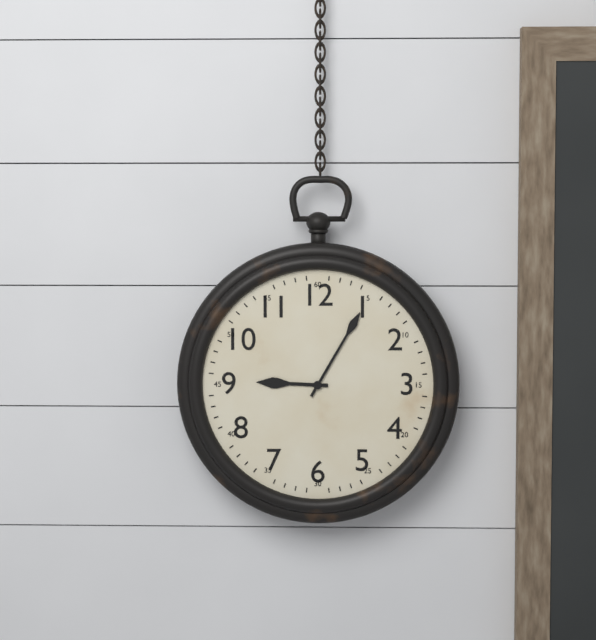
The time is 9 h 05 min
